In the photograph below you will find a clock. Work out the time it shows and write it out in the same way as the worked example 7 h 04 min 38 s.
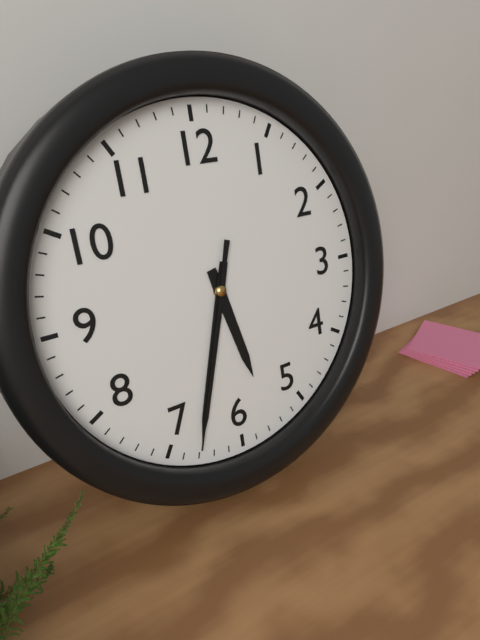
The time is 5 h 33 min 33 s
